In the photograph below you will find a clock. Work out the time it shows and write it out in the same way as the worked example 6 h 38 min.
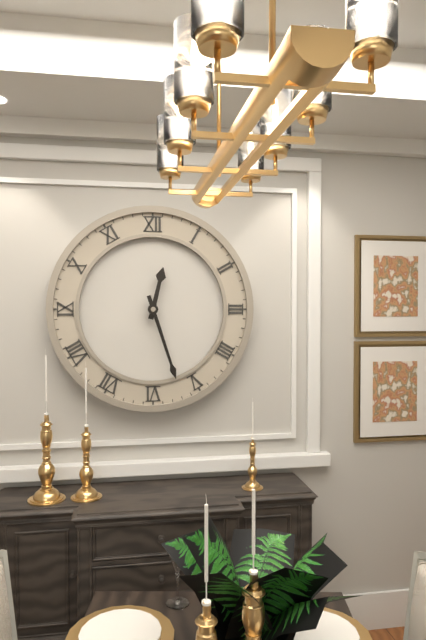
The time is 12 h 27 min
